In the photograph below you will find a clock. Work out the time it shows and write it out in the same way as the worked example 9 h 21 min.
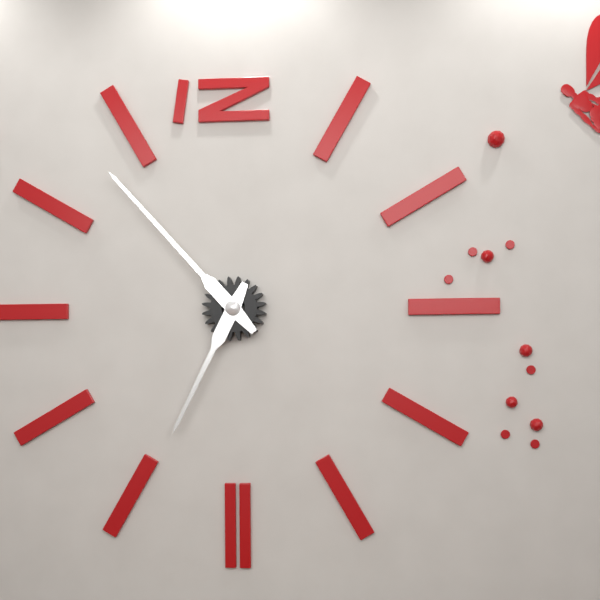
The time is 6 h 53 min
